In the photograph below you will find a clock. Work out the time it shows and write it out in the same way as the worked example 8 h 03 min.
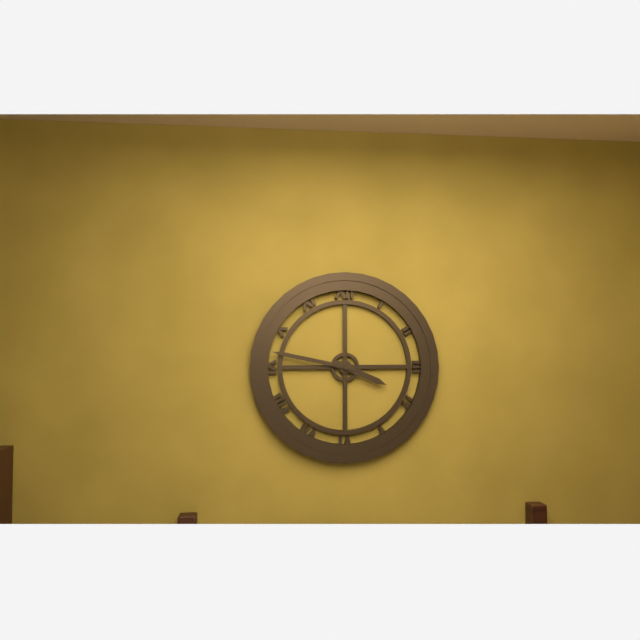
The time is 3 h 47 min
